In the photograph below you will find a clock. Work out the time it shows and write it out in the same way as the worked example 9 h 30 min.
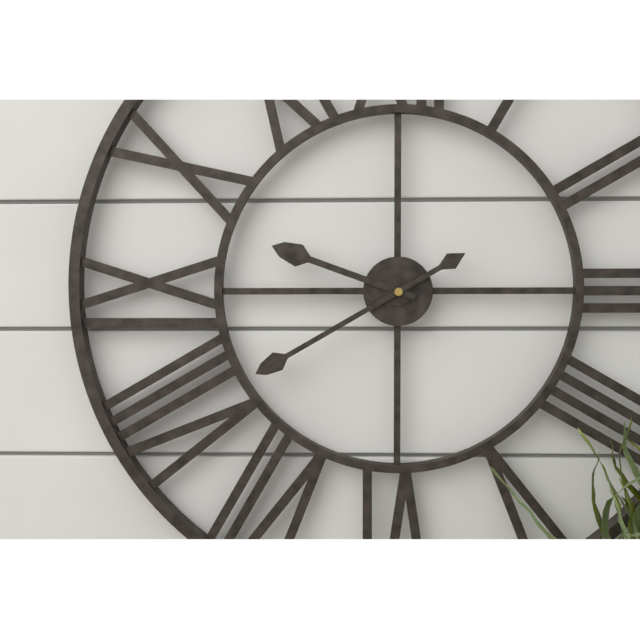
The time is 9 h 40 min
